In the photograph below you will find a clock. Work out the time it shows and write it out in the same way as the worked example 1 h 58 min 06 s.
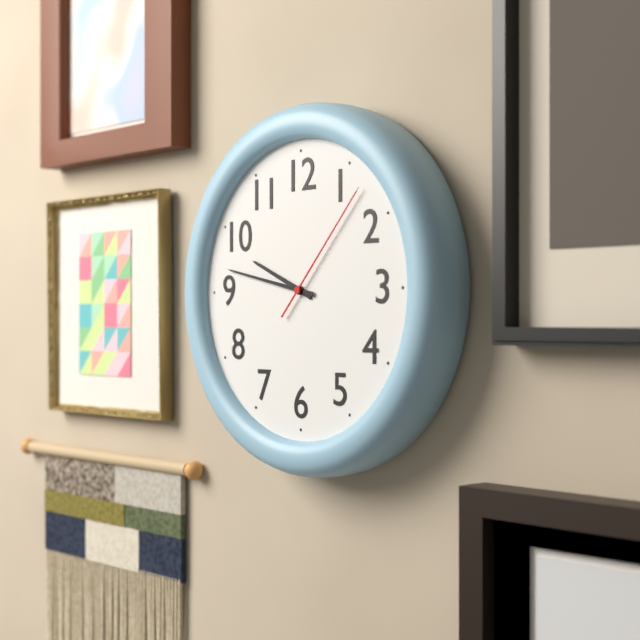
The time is 9 h 47 min 07 s
